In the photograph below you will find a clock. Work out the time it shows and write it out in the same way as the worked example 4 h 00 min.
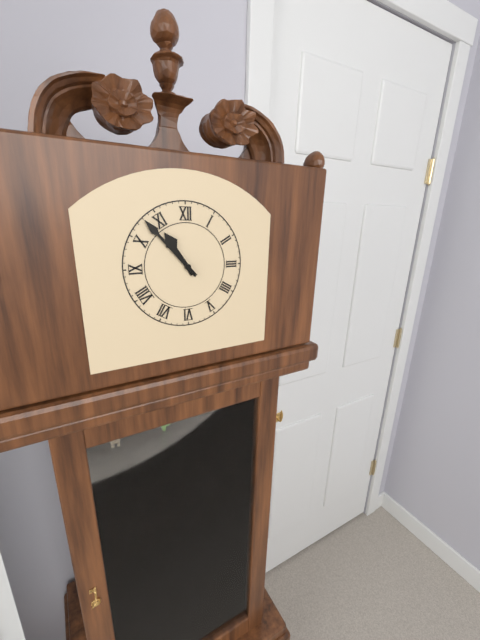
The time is 10 h 53 min
